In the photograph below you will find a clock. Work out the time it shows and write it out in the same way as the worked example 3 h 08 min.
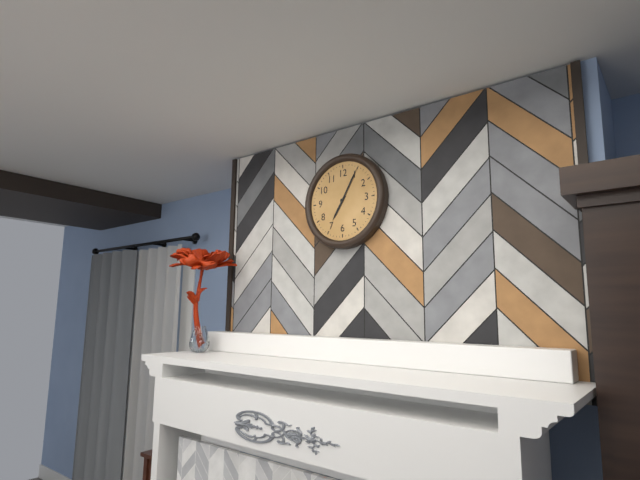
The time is 7 h 05 min
